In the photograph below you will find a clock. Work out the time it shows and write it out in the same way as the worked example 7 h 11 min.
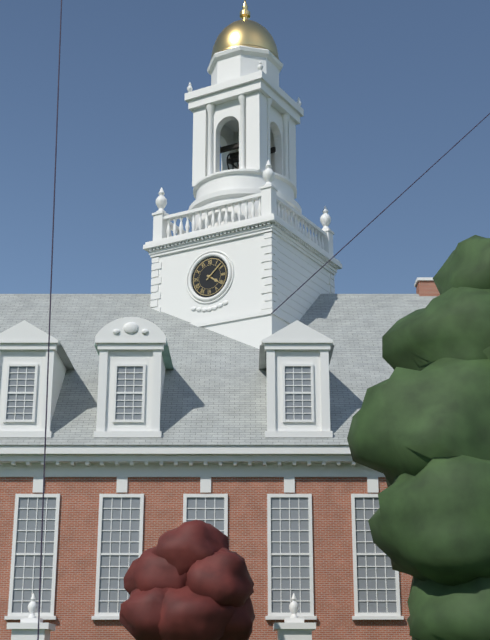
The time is 4 h 08 min
